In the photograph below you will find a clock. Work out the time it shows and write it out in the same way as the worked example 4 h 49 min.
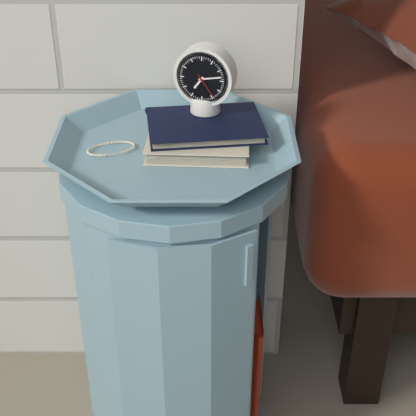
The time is 7 h 13 min
